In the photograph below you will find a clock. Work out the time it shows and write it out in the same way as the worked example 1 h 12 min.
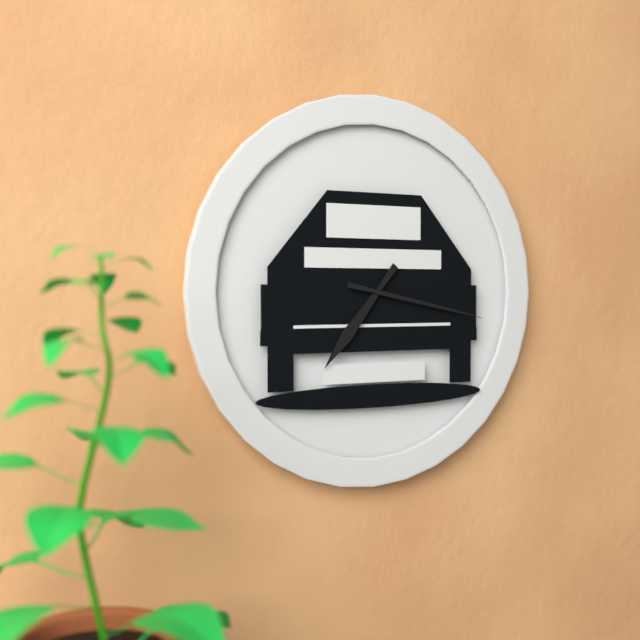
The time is 7 h 17 min
